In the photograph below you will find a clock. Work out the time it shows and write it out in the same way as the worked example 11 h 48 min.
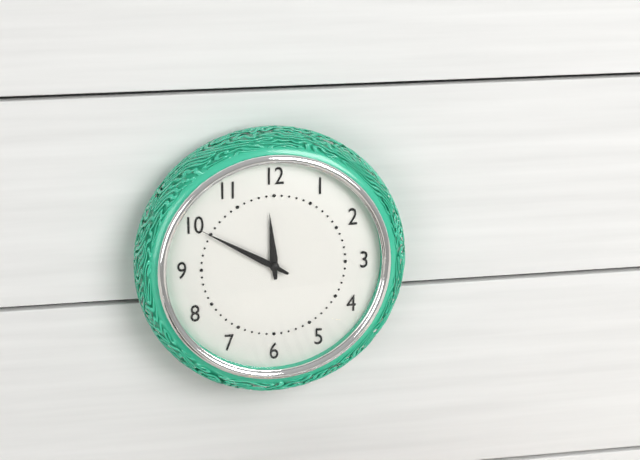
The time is 11 h 50 min
